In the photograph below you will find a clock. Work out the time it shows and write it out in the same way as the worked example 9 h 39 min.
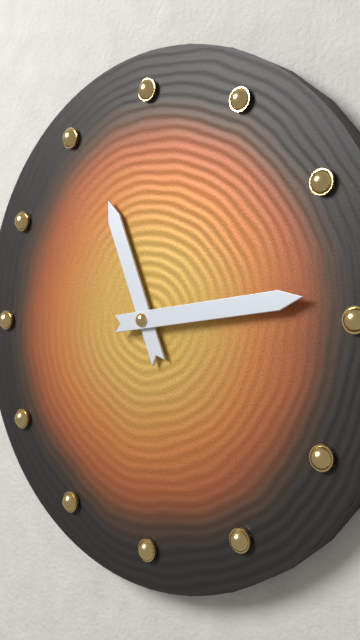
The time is 11 h 14 min
